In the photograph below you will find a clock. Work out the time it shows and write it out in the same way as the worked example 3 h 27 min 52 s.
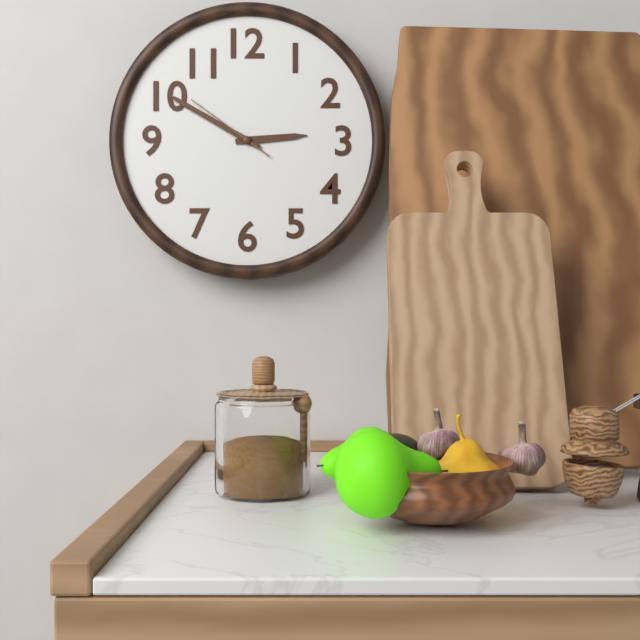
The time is 2 h 50 min 51 s
